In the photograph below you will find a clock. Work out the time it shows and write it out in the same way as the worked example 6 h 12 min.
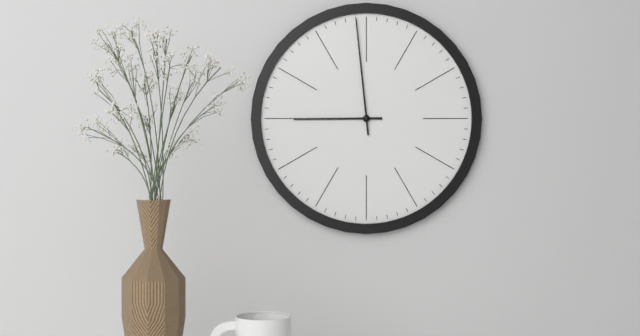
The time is 8 h 59 min
